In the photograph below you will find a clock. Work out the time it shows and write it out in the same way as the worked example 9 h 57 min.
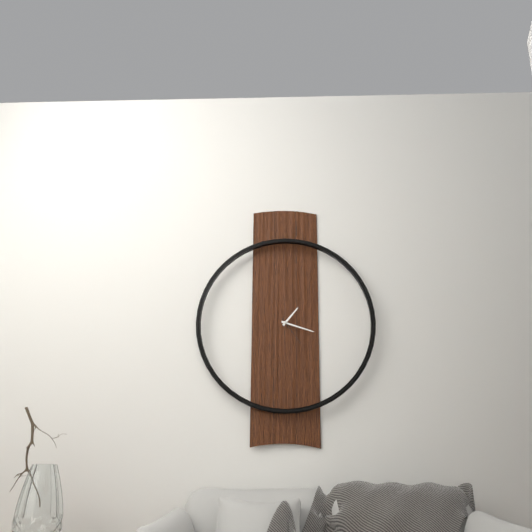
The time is 1 h 18 min
